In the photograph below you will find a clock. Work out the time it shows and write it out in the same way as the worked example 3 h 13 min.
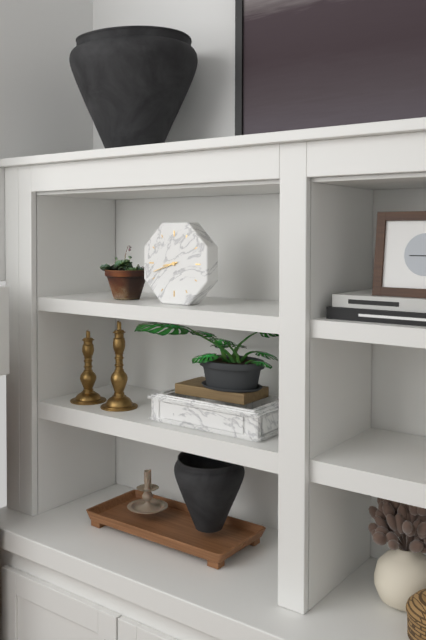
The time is 8 h 42 min
